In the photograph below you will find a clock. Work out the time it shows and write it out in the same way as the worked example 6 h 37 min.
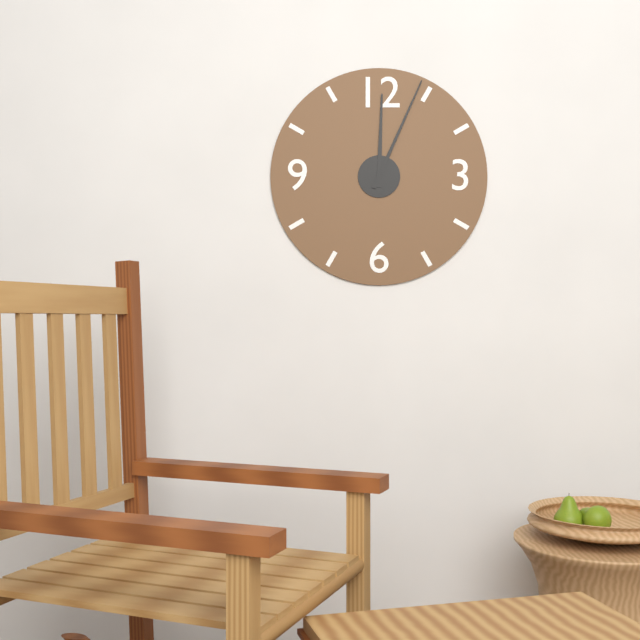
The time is 12 h 04 min
